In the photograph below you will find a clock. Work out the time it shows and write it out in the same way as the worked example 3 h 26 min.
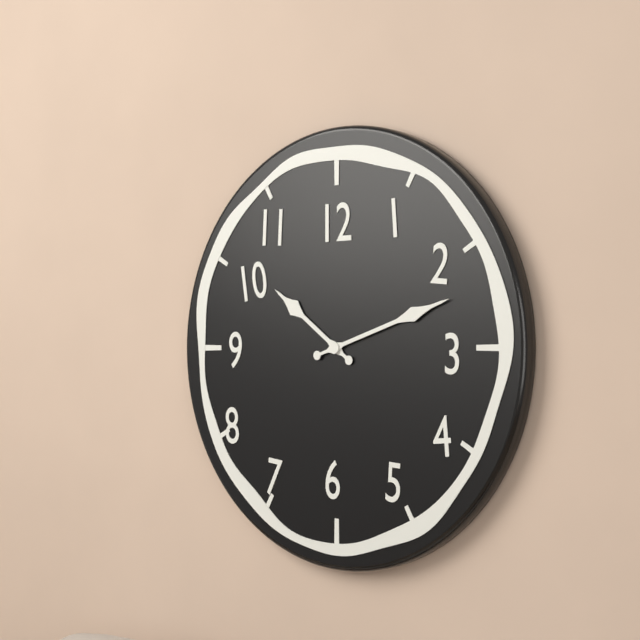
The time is 10 h 12 min
